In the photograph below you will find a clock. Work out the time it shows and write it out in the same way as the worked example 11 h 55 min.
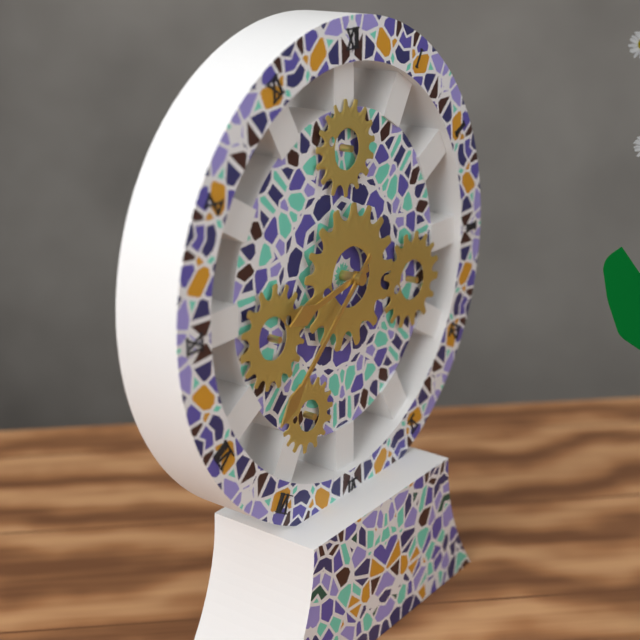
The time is 8 h 38 min
